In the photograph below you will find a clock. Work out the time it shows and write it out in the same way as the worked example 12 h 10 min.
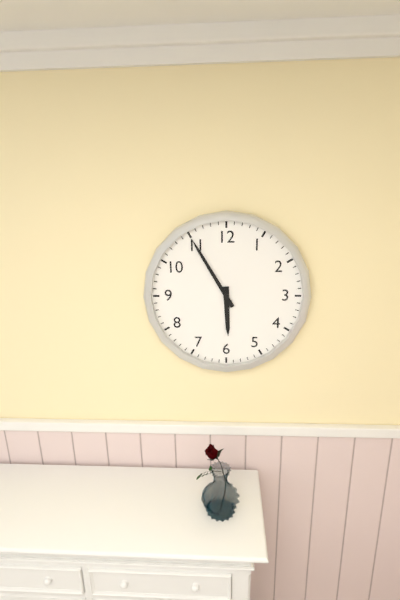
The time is 5 h 55 min
